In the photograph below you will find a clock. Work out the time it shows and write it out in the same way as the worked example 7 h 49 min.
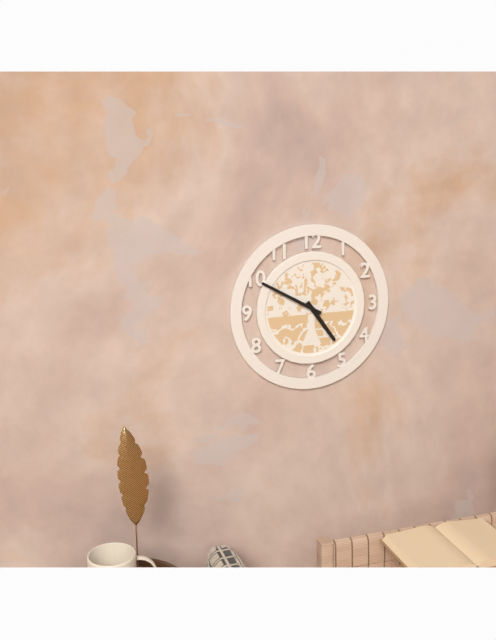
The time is 4 h 50 min
